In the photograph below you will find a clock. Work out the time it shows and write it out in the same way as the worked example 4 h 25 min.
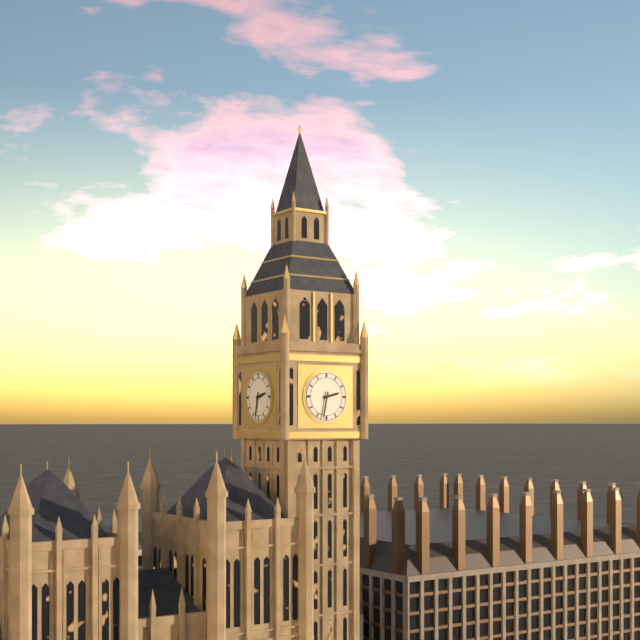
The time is 2 h 32 min
